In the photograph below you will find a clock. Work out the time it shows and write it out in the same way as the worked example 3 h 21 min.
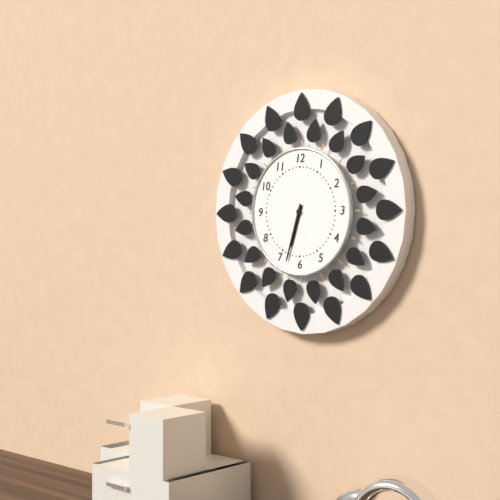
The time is 6 h 33 min
